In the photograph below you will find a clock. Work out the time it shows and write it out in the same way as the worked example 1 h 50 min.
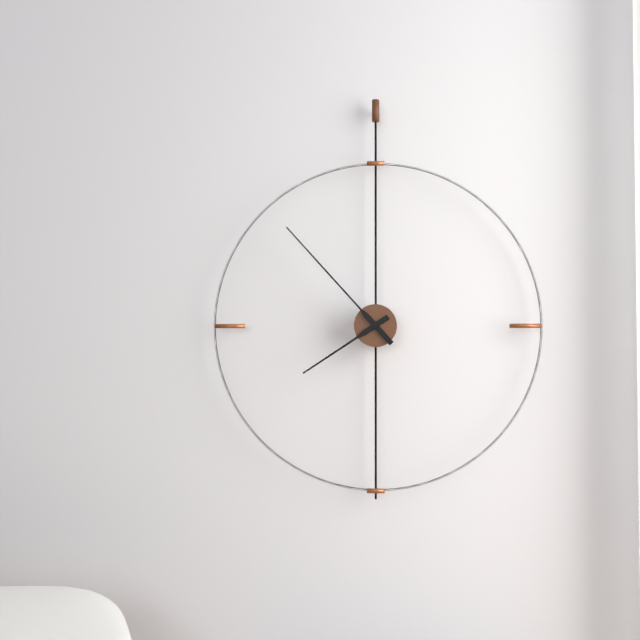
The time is 7 h 53 min
